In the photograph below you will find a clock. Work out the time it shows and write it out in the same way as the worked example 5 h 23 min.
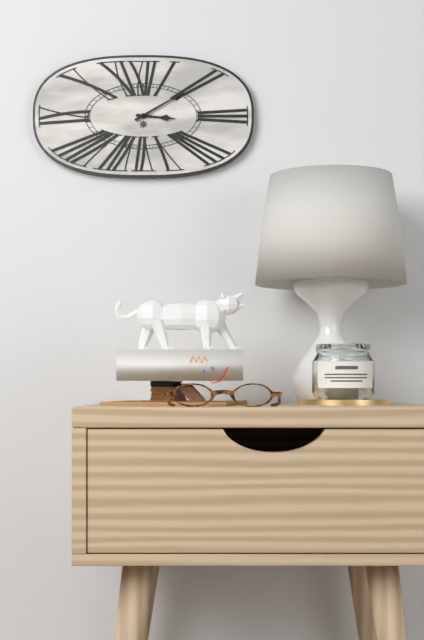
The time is 3 h 10 min
